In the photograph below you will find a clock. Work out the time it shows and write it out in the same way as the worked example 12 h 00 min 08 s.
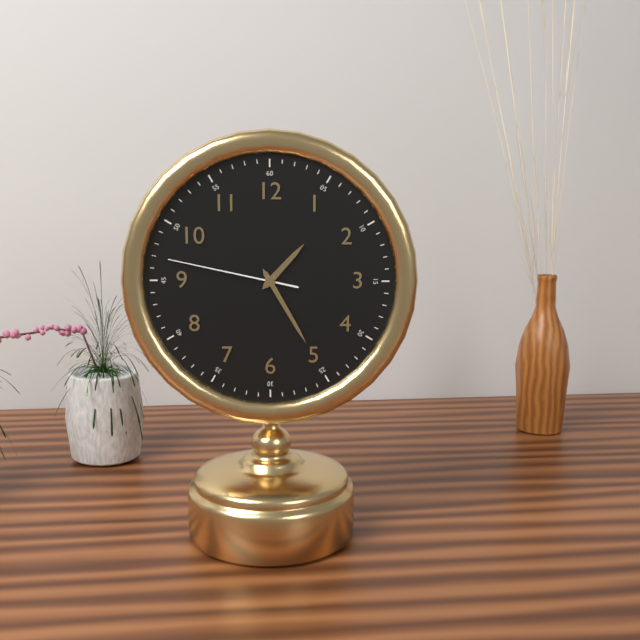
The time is 1 h 25 min 47 s
